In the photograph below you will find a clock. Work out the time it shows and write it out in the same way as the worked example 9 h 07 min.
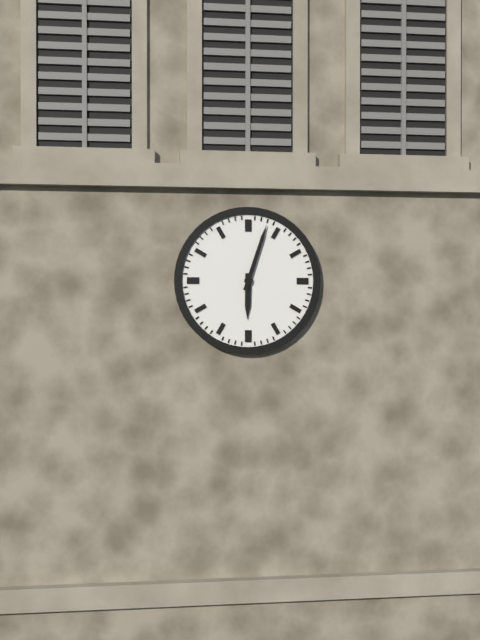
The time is 6 h 03 min
